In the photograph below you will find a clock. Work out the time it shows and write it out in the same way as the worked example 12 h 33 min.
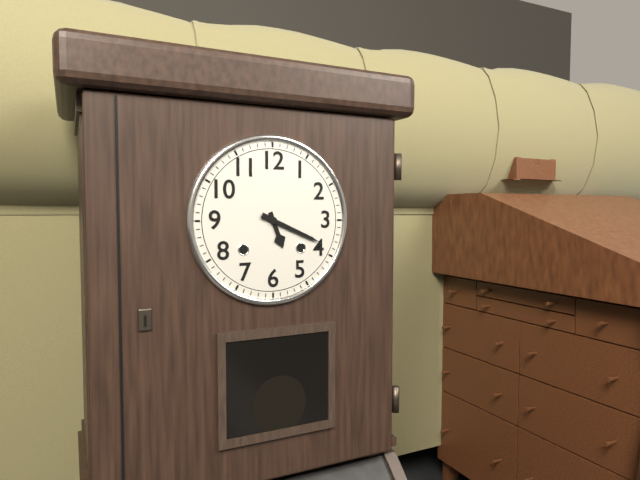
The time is 5 h 19 min
